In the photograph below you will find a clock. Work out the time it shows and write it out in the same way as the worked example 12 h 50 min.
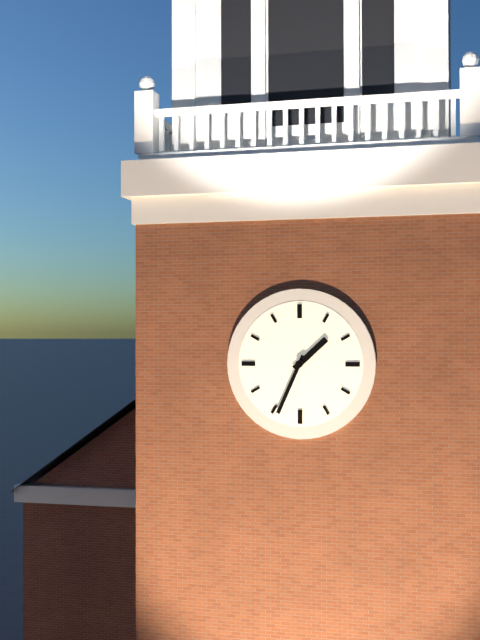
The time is 1 h 34 min
